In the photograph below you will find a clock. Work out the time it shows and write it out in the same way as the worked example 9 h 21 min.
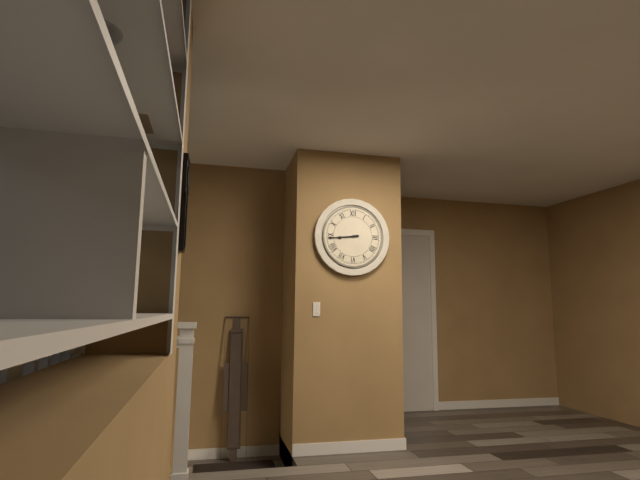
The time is 8 h 44 min
